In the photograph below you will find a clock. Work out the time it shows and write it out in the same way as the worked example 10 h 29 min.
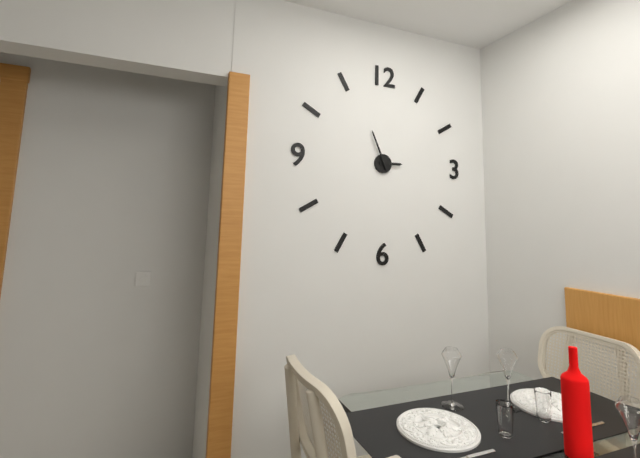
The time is 2 h 56 min
